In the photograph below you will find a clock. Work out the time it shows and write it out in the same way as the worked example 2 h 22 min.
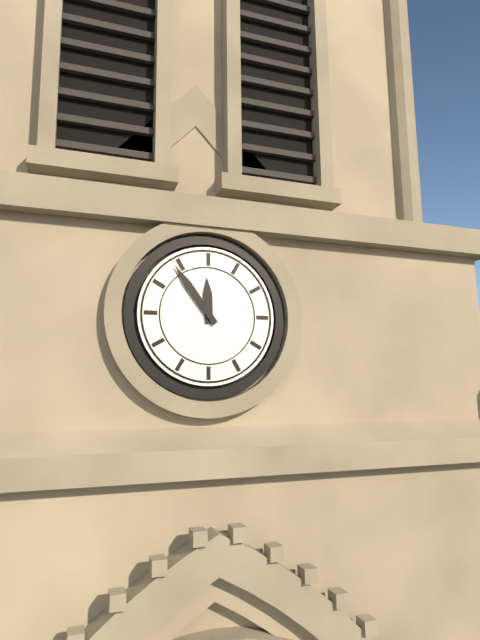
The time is 11 h 54 min
